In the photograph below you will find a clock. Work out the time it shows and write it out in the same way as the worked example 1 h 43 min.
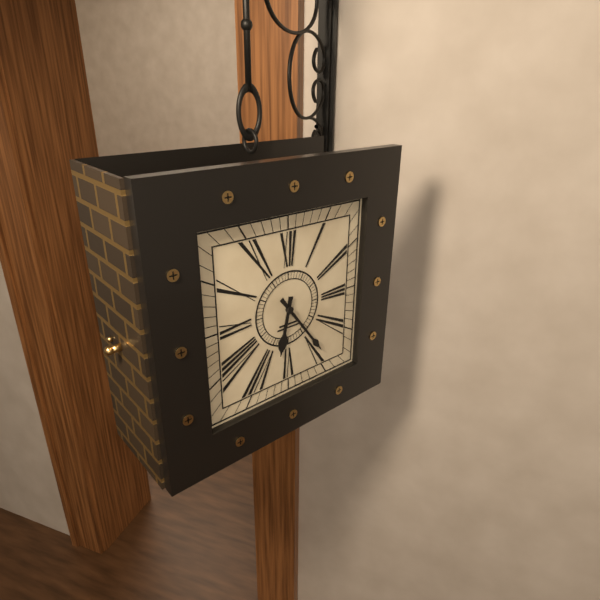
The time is 6 h 24 min
